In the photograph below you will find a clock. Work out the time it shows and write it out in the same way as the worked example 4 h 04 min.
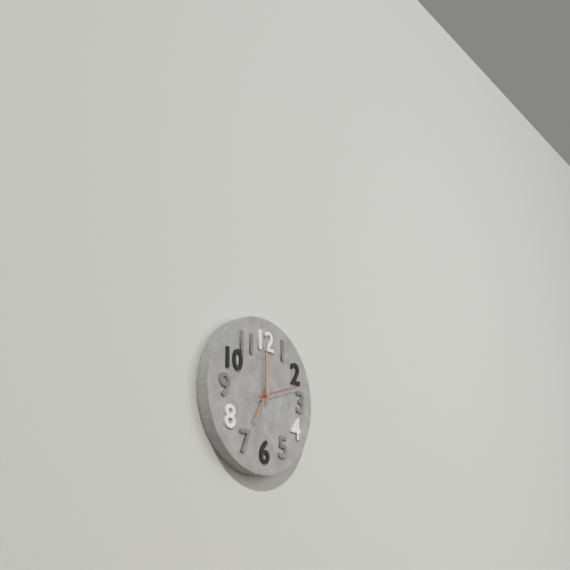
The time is 7 h 00 min
